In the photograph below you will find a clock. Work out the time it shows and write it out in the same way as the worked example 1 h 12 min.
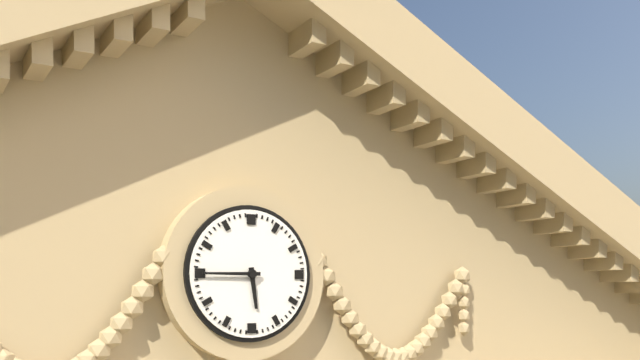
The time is 5 h 45 min
